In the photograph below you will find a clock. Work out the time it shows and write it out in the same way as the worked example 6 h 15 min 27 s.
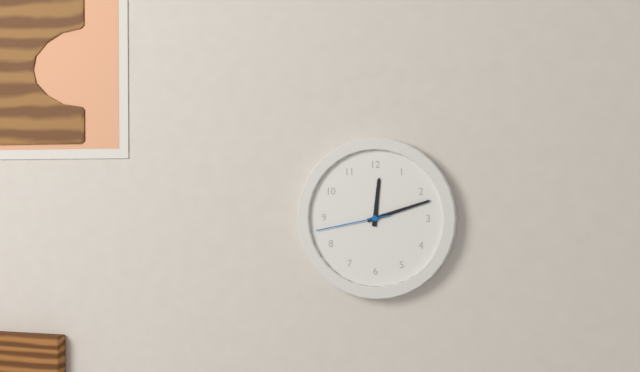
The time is 12 h 12 min 43 s
